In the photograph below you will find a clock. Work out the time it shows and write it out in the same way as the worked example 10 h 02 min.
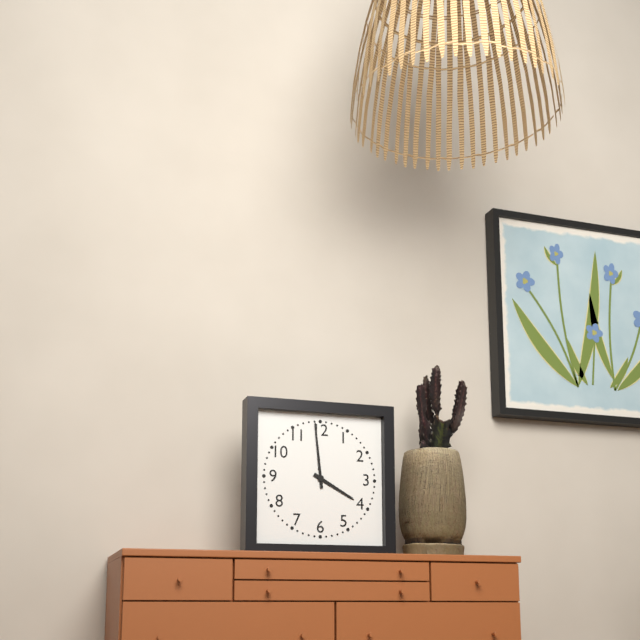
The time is 3 h 59 min
